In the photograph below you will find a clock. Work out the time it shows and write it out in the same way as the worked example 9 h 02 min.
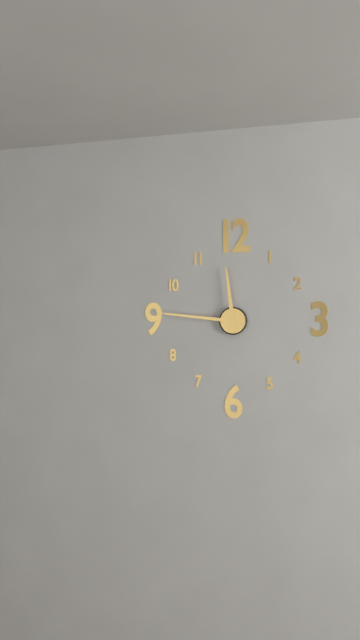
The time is 11 h 46 min
